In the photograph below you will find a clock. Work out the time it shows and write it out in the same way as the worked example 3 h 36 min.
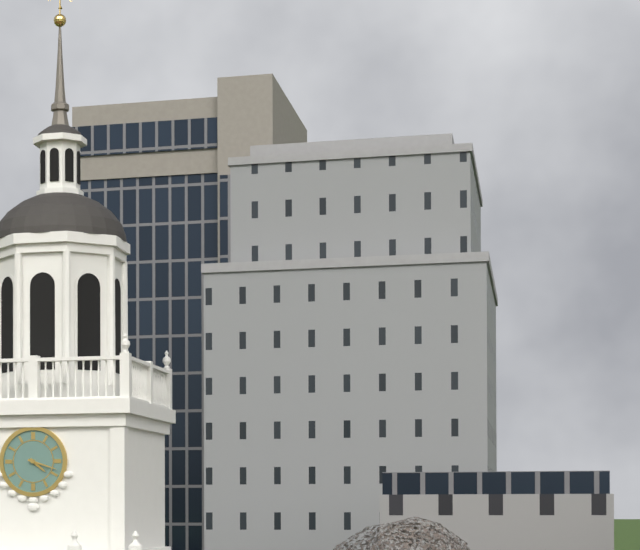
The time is 4 h 18 min
